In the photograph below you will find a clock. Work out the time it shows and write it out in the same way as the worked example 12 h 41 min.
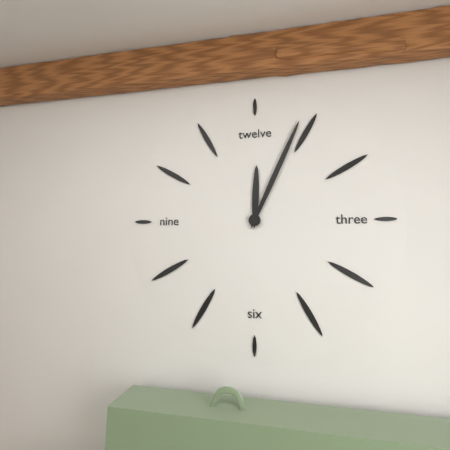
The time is 12 h 04 min
